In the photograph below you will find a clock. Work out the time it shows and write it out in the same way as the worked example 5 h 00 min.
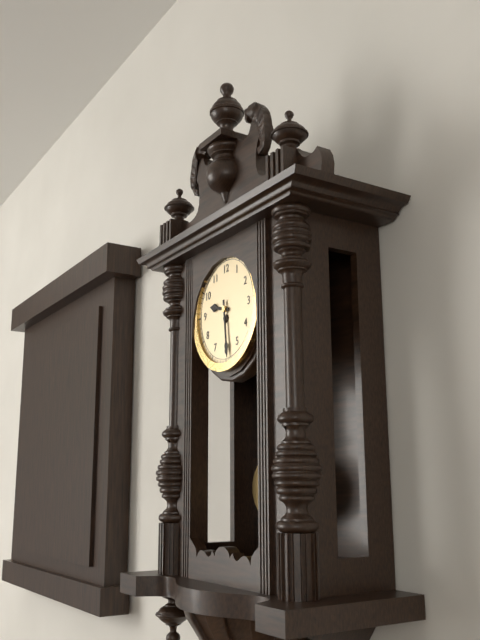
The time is 9 h 29 min
